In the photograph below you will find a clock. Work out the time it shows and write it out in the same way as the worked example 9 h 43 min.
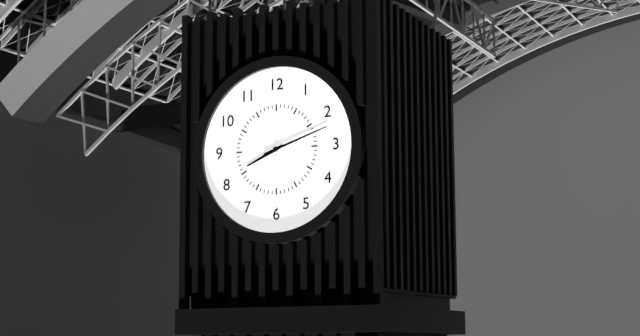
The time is 8 h 12 min
